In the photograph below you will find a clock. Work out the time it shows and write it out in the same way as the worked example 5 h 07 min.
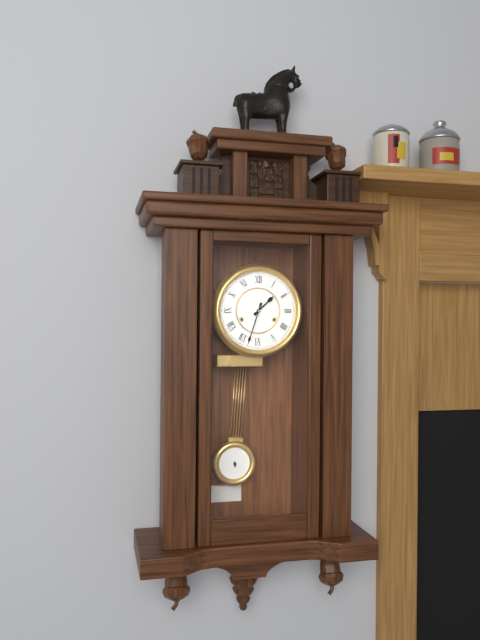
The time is 1 h 33 min
